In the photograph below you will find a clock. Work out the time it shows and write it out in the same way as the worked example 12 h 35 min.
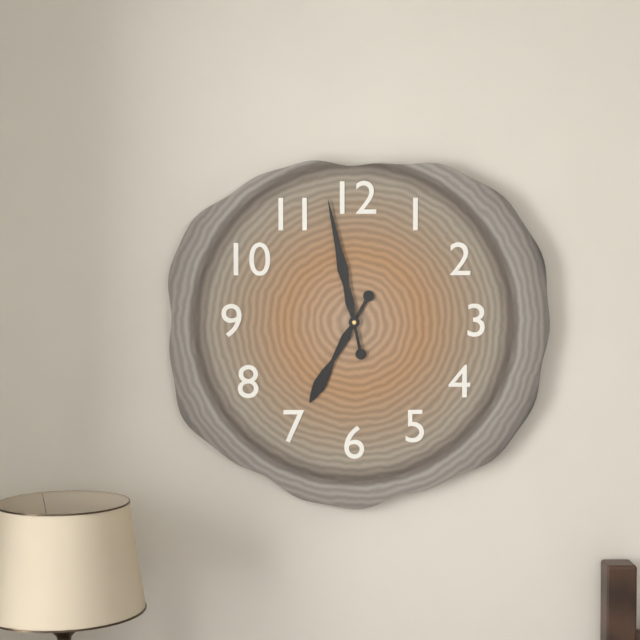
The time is 6 h 58 min
